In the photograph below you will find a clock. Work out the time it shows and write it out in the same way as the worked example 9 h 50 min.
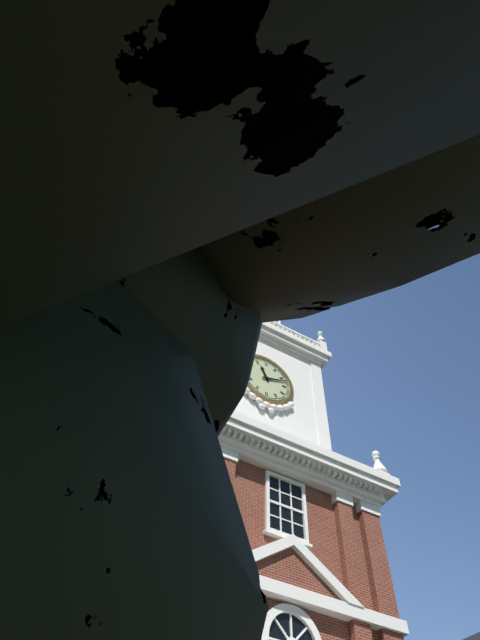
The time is 11 h 12 min
